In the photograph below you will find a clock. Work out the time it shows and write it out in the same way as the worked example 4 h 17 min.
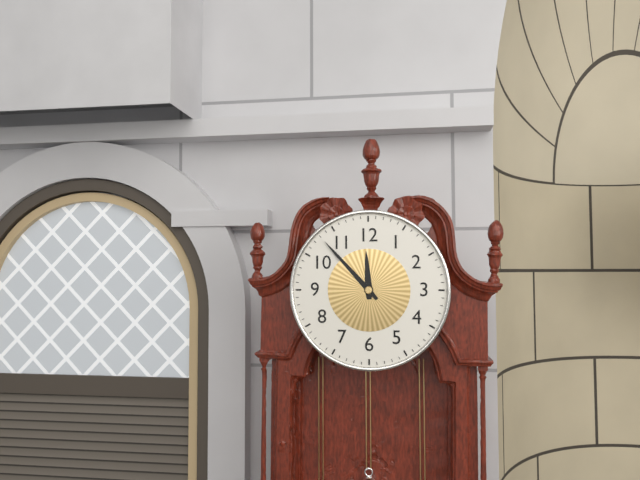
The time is 11 h 53 min
